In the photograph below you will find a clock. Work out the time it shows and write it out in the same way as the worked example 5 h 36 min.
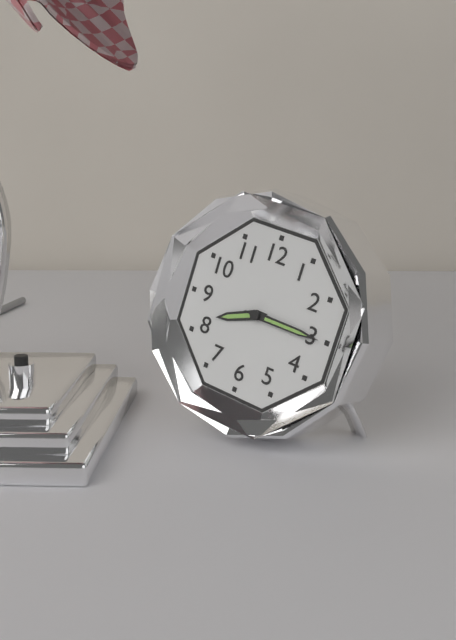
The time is 8 h 15 min
